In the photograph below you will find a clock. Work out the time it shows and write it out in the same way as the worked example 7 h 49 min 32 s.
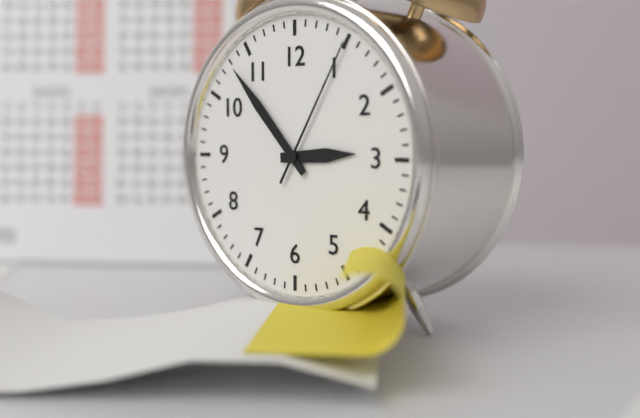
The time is 2 h 53 min 05 s
